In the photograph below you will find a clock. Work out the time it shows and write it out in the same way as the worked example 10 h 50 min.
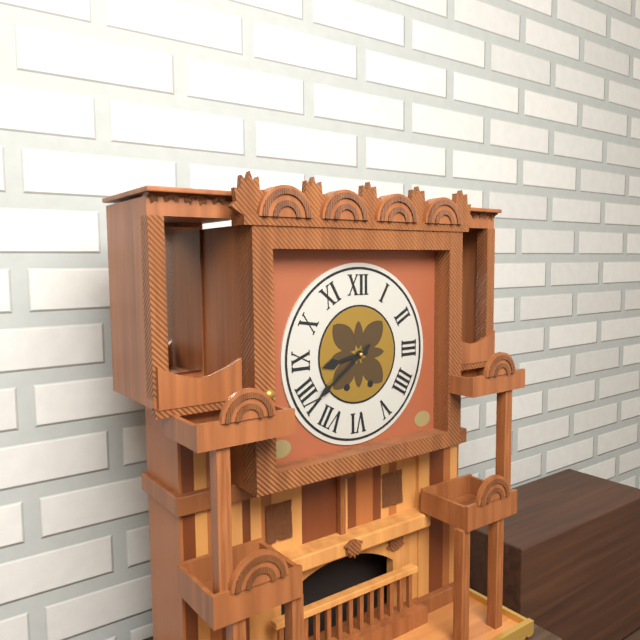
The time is 8 h 39 min
